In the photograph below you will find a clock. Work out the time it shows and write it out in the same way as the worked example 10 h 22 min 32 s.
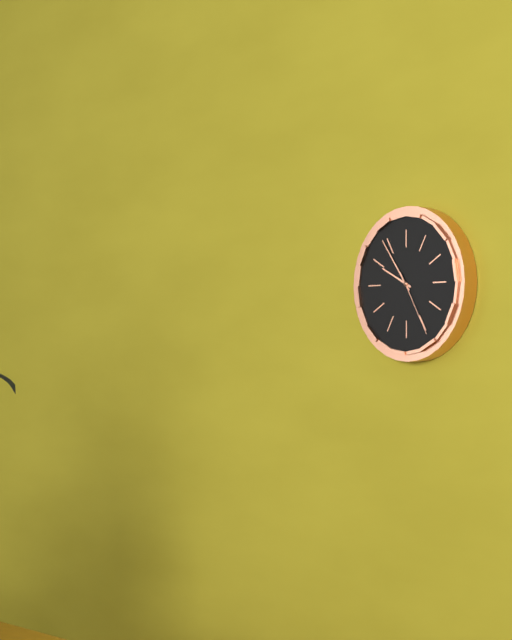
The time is 9 h 54 min 25 s
